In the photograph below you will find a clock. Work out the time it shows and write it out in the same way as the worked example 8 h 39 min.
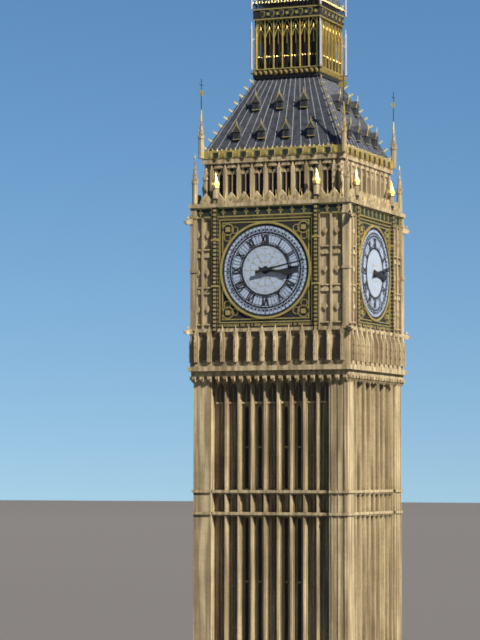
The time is 3 h 13 min
